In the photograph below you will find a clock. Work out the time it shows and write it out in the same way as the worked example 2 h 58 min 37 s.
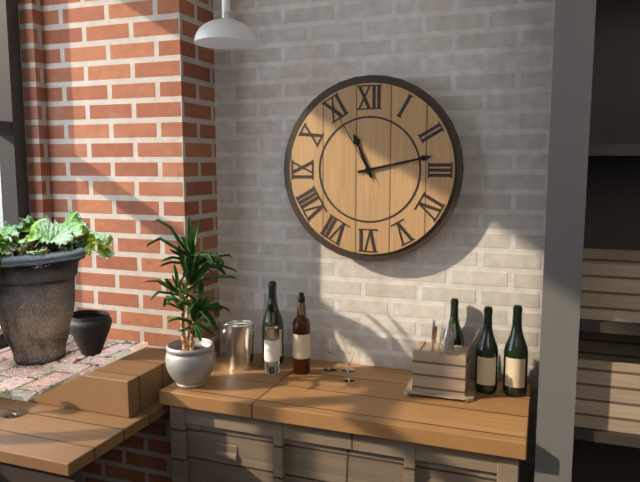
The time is 11 h 13 min 55 s
